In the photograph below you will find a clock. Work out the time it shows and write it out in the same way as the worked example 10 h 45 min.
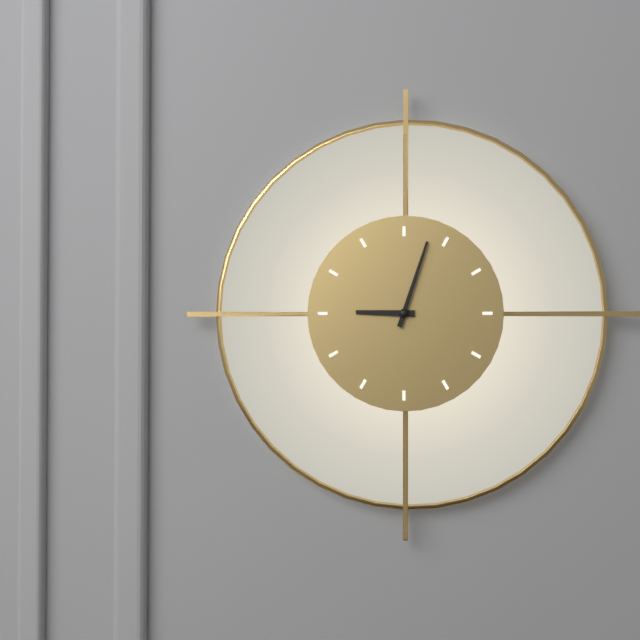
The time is 9 h 03 min
